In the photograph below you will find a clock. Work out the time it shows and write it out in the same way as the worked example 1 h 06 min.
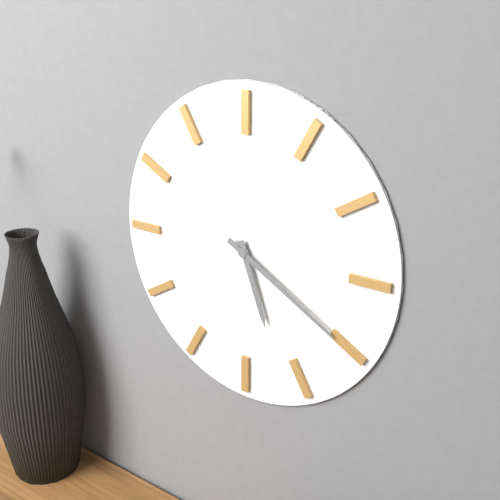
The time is 5 h 20 min
